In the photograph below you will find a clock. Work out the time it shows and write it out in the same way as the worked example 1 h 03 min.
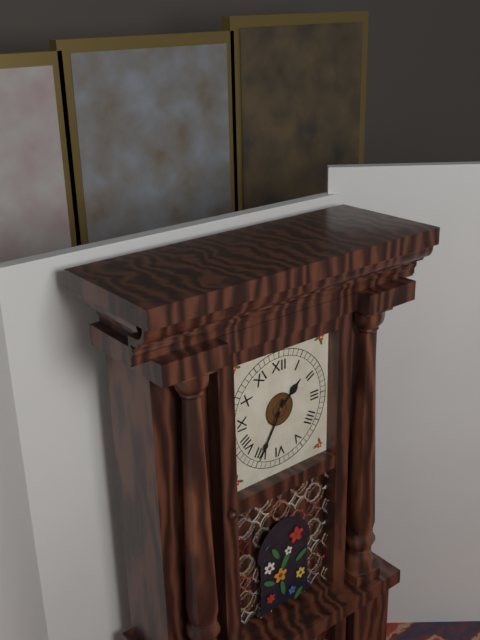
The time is 1 h 35 min
